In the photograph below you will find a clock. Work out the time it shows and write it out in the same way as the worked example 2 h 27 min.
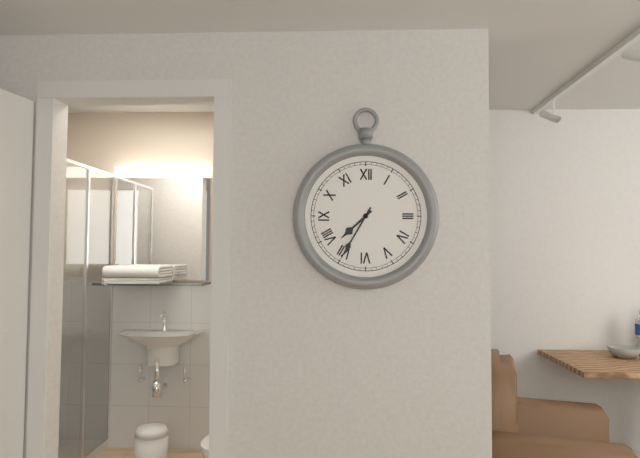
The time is 7 h 35 min
